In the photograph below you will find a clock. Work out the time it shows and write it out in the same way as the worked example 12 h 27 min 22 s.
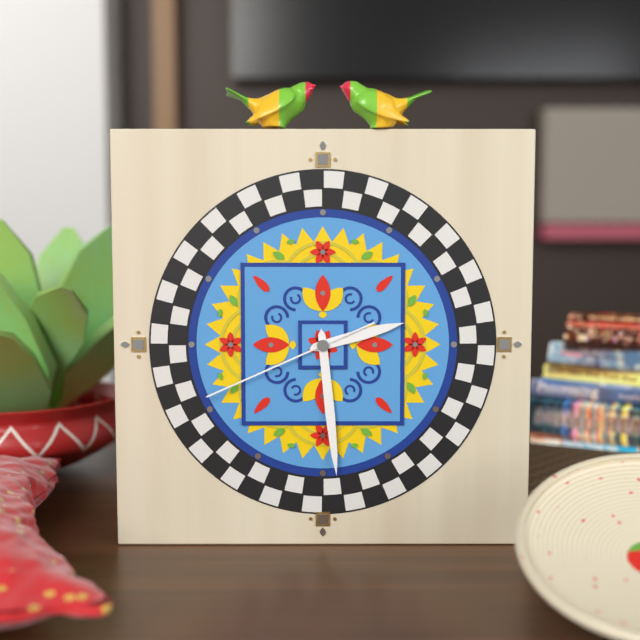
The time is 2 h 29 min 41 s
